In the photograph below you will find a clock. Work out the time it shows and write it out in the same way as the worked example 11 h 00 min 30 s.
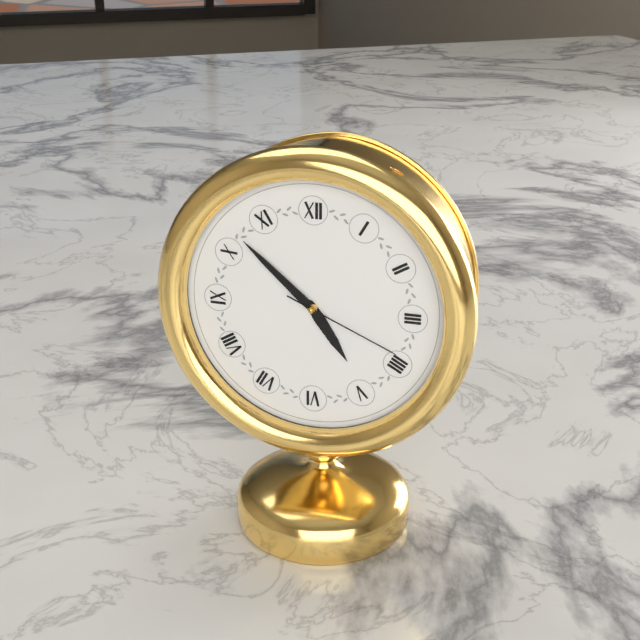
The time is 4 h 52 min 19 s
